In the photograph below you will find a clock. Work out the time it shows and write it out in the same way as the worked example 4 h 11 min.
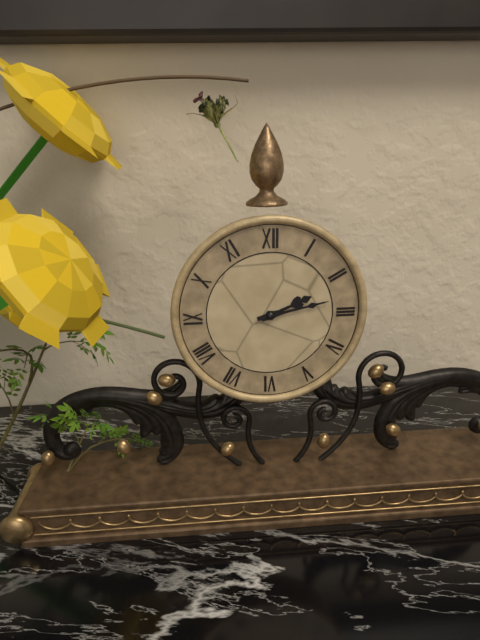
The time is 2 h 13 min
